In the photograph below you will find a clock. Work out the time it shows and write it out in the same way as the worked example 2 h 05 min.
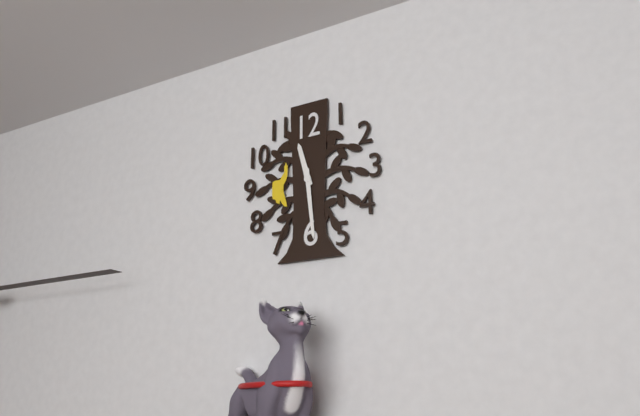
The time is 11 h 29 min
